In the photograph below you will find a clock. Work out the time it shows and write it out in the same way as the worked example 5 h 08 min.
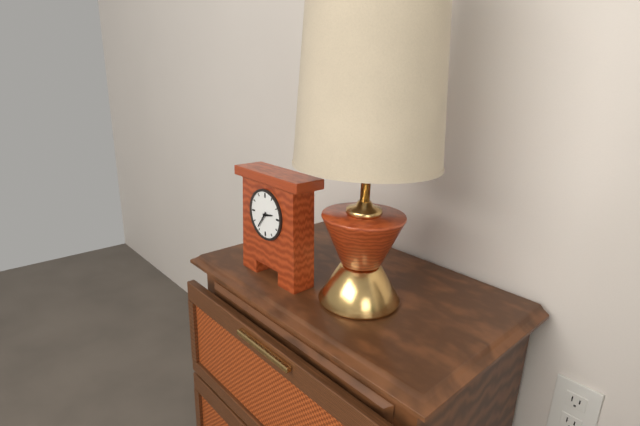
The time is 2 h 36 min
